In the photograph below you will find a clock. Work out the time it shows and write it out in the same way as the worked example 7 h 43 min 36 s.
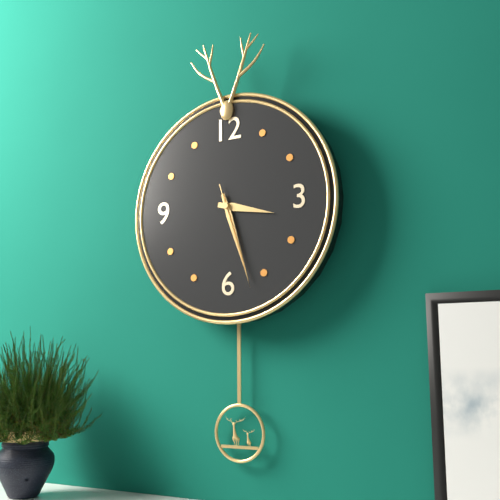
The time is 3 h 27 min 27 s
